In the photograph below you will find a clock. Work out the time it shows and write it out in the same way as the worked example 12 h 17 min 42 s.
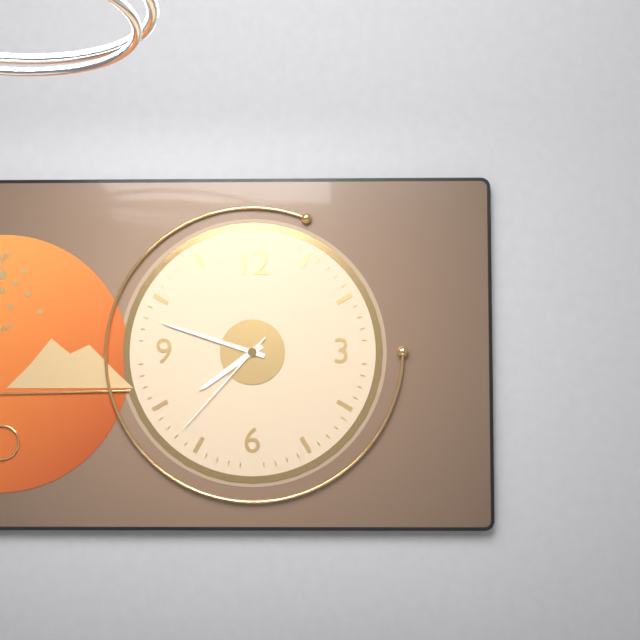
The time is 7 h 48 min 37 s
